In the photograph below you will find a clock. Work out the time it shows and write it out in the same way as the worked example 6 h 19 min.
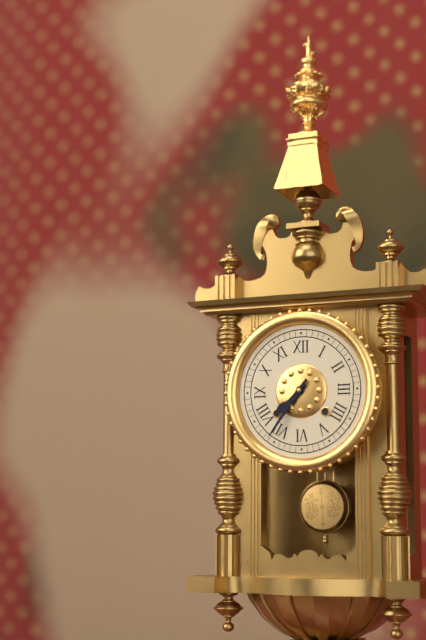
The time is 7 h 36 min
